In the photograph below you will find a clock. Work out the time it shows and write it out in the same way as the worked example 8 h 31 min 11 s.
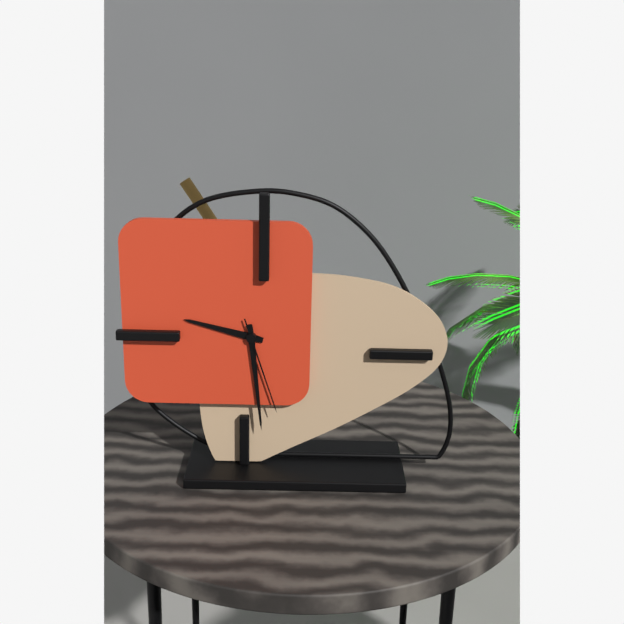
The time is 9 h 29 min 27 s
